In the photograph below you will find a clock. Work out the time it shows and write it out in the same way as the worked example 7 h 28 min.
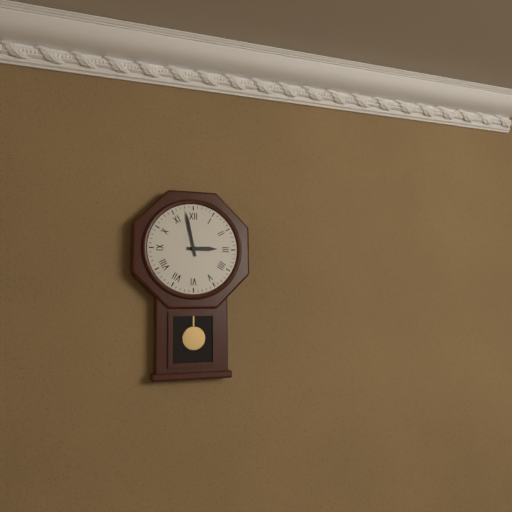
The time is 2 h 58 min
